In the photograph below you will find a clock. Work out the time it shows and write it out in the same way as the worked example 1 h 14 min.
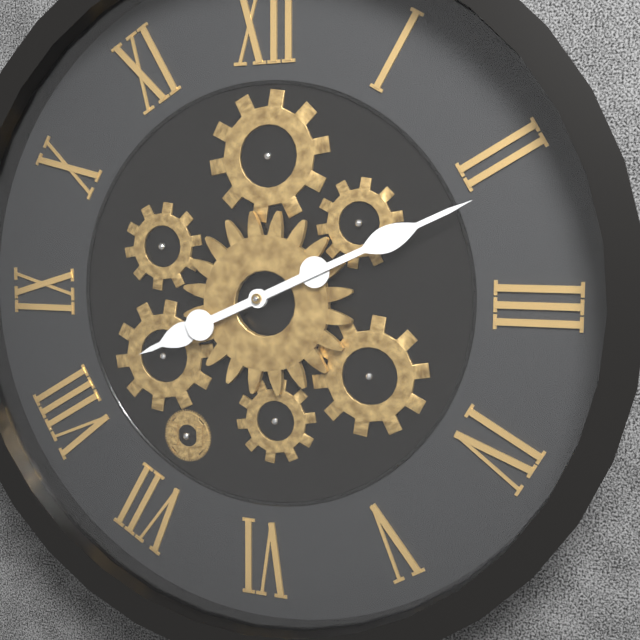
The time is 8 h 11 min
